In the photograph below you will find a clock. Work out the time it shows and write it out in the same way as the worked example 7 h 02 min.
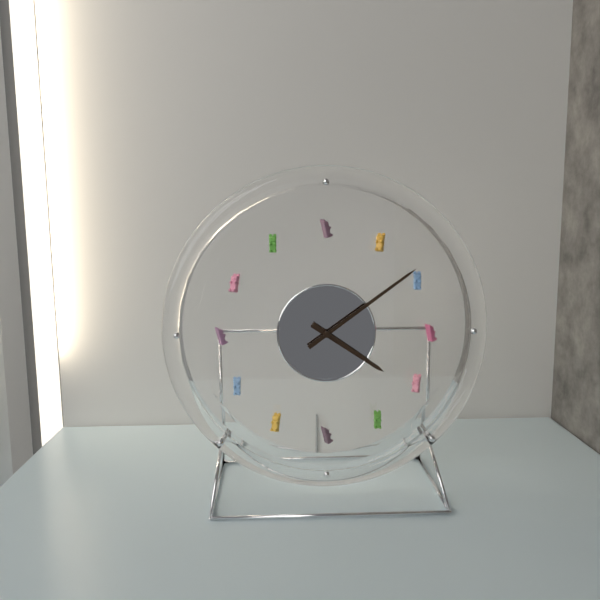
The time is 4 h 09 min
